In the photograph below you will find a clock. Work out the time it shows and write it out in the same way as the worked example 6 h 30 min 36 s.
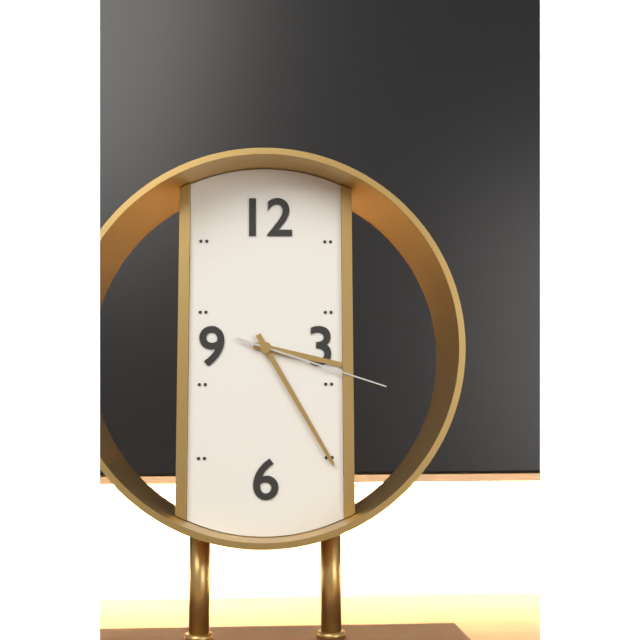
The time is 3 h 25 min 18 s
